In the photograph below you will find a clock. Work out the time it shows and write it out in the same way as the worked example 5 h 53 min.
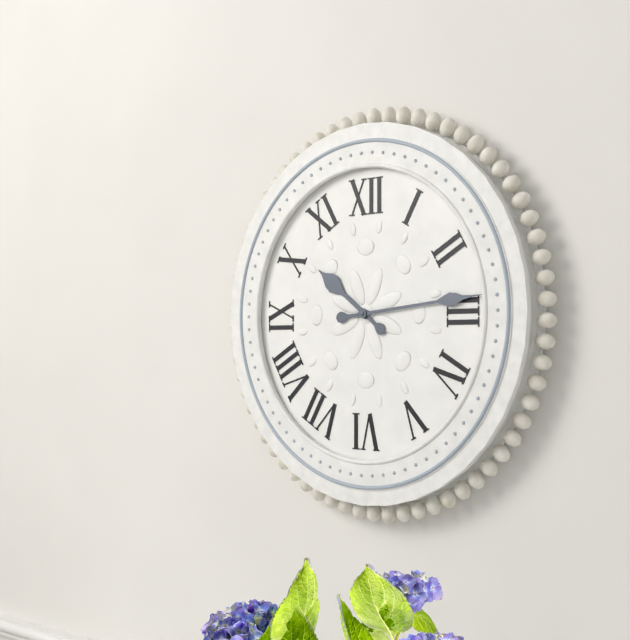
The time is 10 h 14 min
